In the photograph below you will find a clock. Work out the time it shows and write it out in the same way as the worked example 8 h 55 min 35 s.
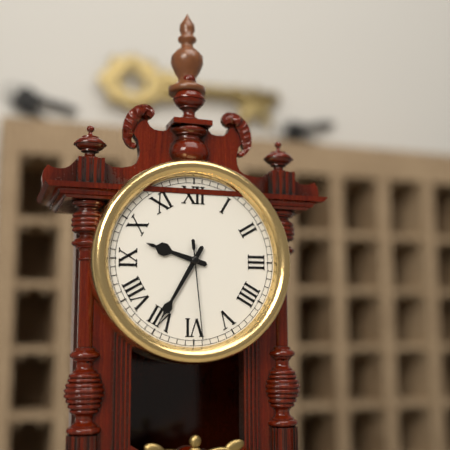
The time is 9 h 35 min 29 s
